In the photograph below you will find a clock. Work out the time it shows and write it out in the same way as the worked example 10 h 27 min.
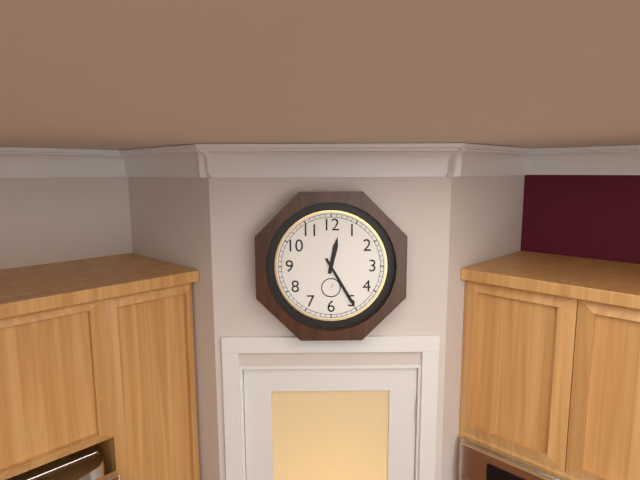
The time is 12 h 25 min
